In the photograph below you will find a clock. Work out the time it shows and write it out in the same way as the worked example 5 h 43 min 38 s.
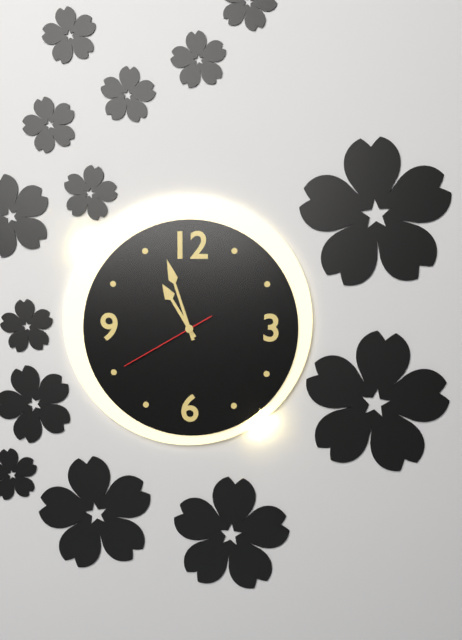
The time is 10 h 57 min 40 s
